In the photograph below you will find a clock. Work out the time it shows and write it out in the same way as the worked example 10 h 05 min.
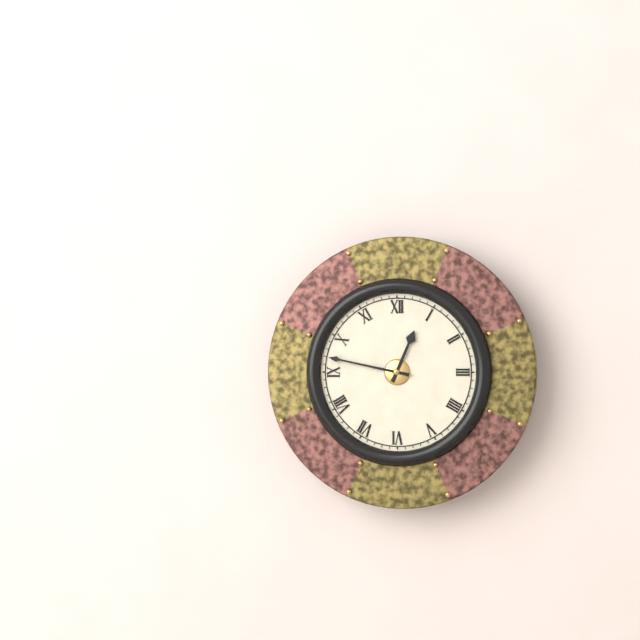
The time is 12 h 47 min
